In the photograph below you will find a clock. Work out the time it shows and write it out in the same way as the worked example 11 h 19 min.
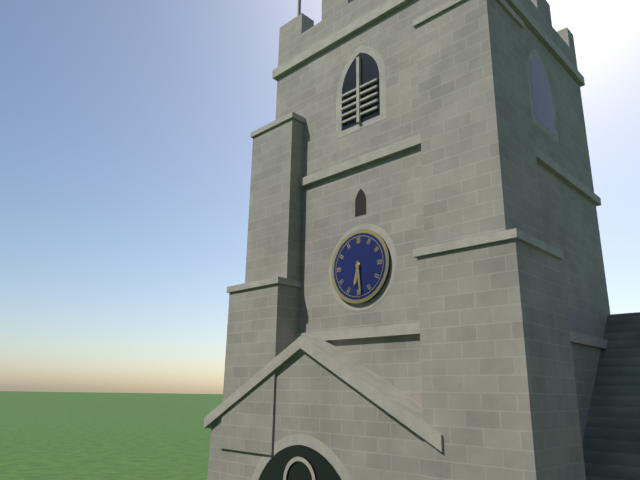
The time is 6 h 29 min
